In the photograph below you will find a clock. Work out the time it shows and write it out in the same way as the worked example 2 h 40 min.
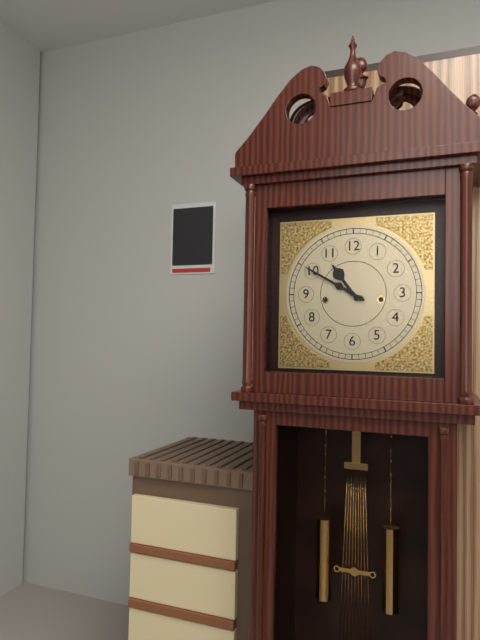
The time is 10 h 50 min
